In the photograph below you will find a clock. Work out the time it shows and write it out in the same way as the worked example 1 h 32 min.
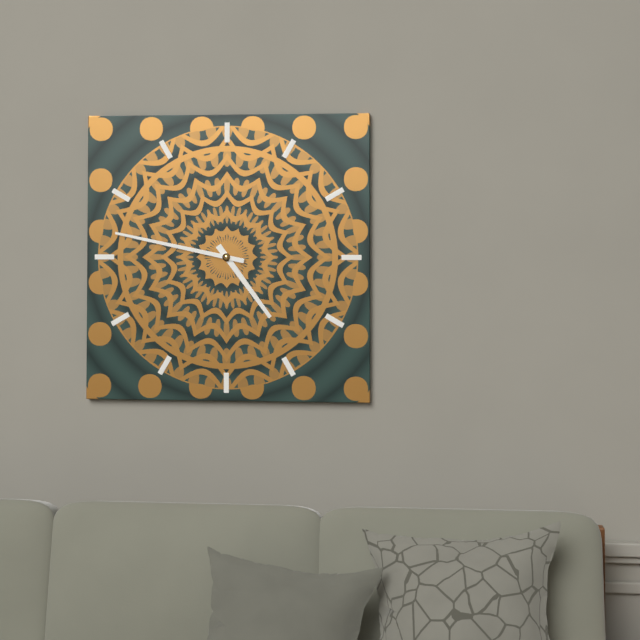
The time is 4 h 47 min
